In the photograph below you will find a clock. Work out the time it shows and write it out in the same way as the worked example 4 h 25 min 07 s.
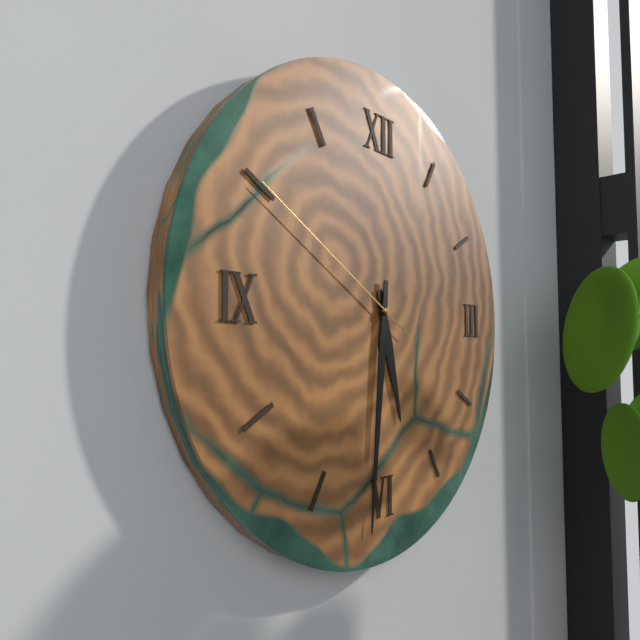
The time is 5 h 31 min 50 s
